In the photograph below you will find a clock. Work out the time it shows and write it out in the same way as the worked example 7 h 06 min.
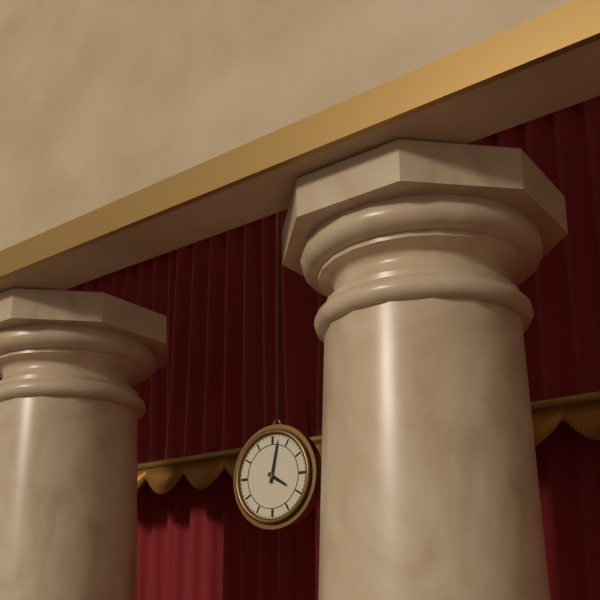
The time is 4 h 02 min
